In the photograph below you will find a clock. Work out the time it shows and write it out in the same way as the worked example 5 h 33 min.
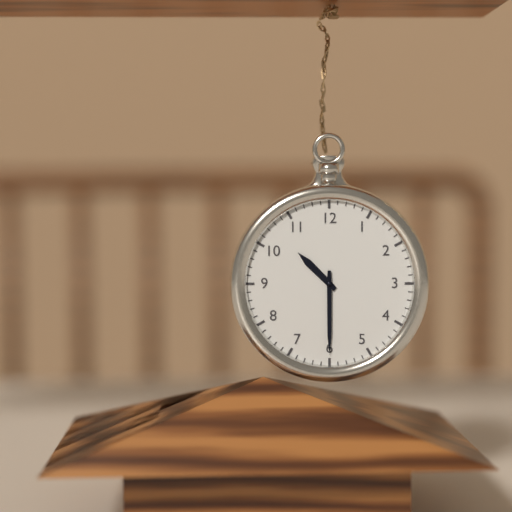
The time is 10 h 30 min
